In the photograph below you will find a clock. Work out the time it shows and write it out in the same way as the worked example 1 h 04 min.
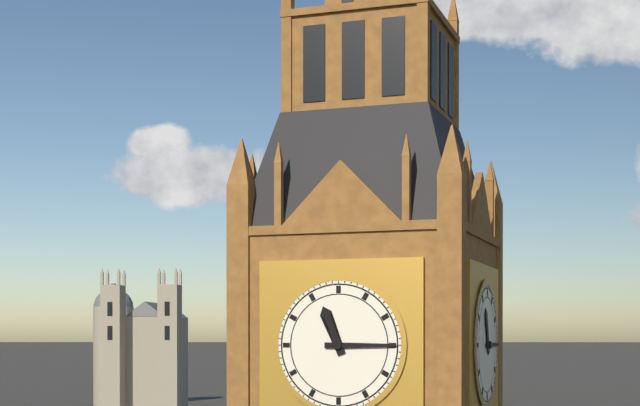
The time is 11 h 15 min
